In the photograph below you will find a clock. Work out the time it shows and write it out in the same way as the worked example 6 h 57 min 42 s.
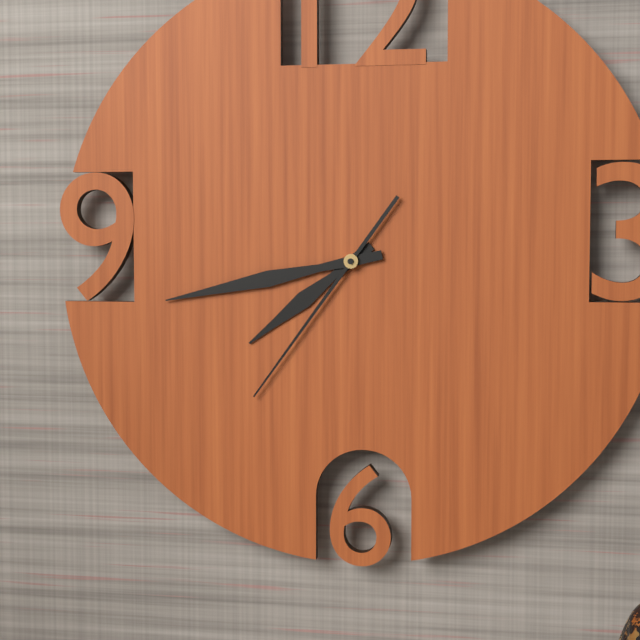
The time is 7 h 43 min 36 s
